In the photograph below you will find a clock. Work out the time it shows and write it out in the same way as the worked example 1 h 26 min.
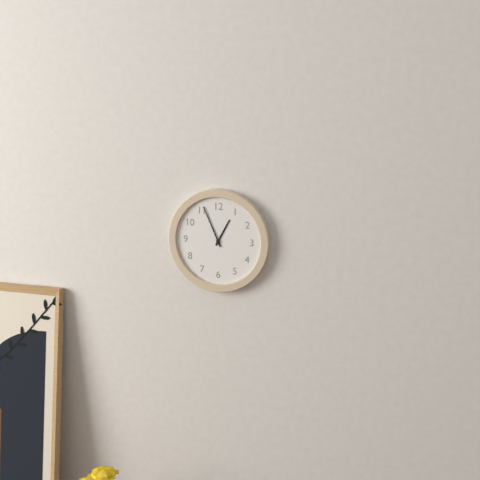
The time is 12 h 56 min
